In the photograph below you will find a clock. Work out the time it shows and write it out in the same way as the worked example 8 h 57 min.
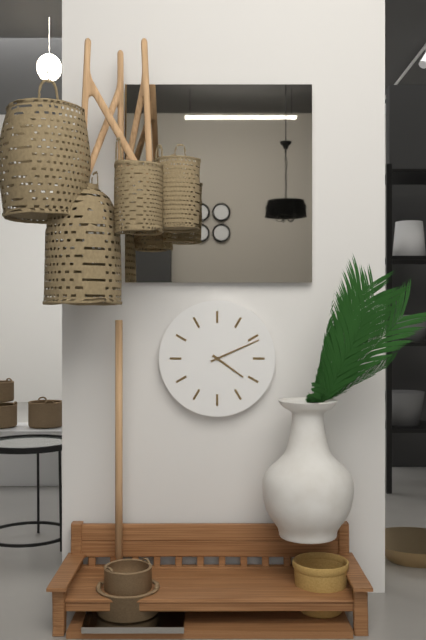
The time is 4 h 11 min
